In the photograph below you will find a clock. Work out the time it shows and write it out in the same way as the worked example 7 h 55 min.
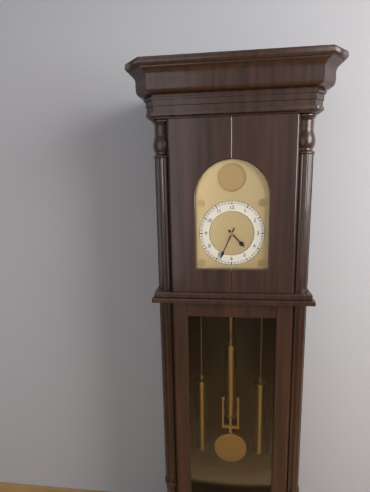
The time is 4 h 34 min
